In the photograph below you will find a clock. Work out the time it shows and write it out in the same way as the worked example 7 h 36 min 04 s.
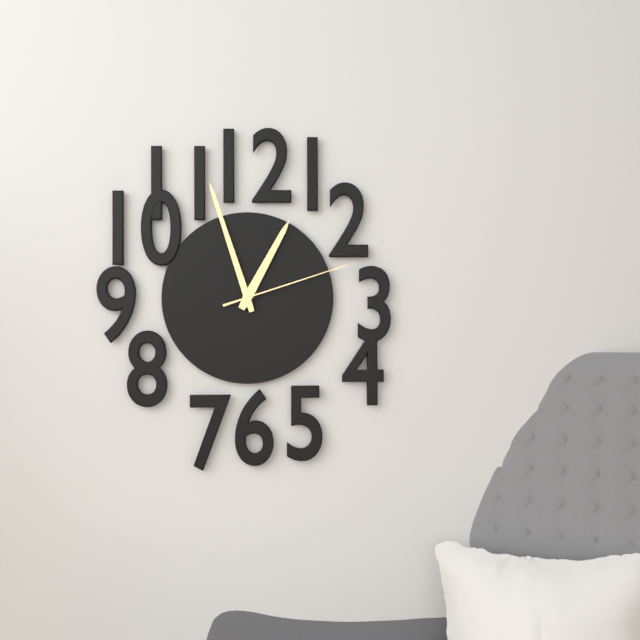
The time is 12 h 57 min 12 s
